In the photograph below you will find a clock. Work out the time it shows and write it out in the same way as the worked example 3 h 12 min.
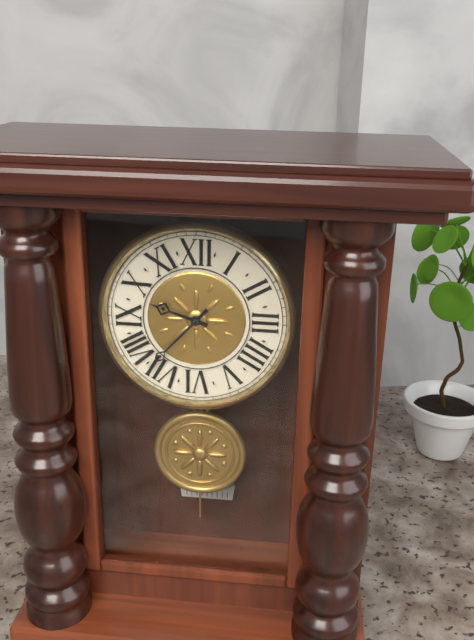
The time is 9 h 37 min
